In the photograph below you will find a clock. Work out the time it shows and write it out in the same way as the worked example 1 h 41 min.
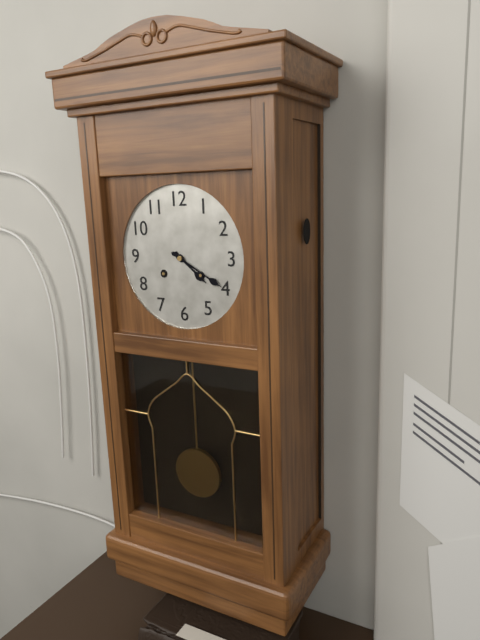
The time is 4 h 20 min
